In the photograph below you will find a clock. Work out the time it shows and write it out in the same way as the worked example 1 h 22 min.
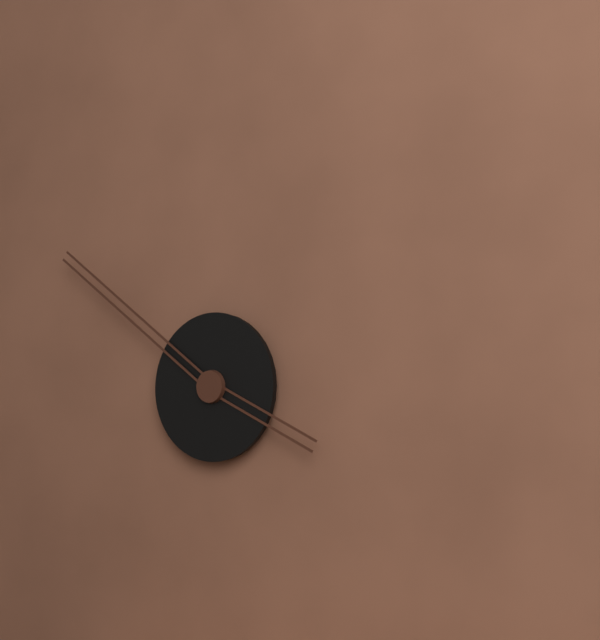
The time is 3 h 51 min
